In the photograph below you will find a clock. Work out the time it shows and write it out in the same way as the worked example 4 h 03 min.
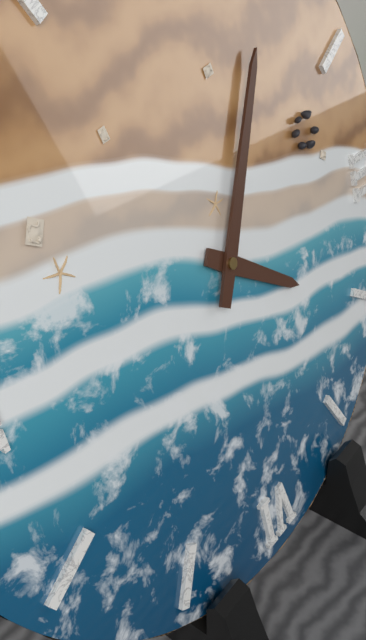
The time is 4 h 05 min
